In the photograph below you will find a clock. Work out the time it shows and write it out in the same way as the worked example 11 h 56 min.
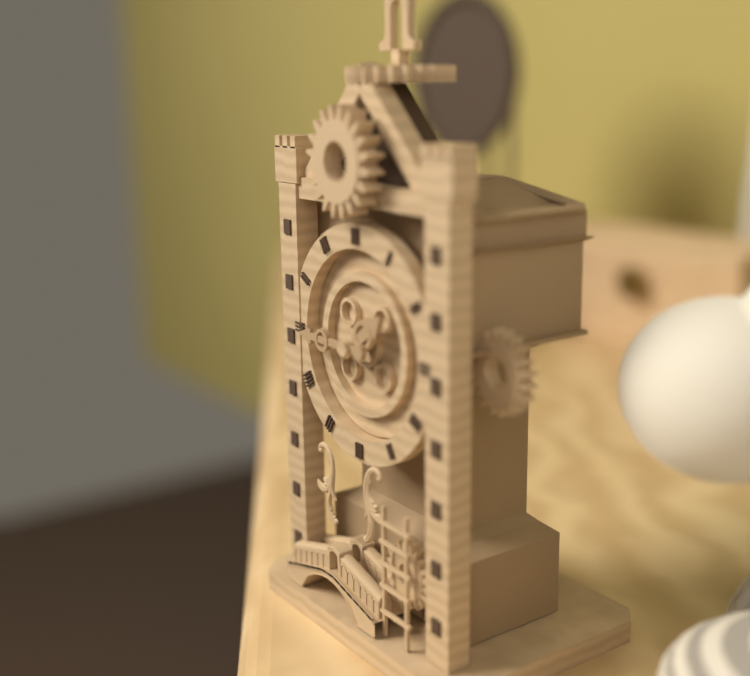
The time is 1 h 45 min
